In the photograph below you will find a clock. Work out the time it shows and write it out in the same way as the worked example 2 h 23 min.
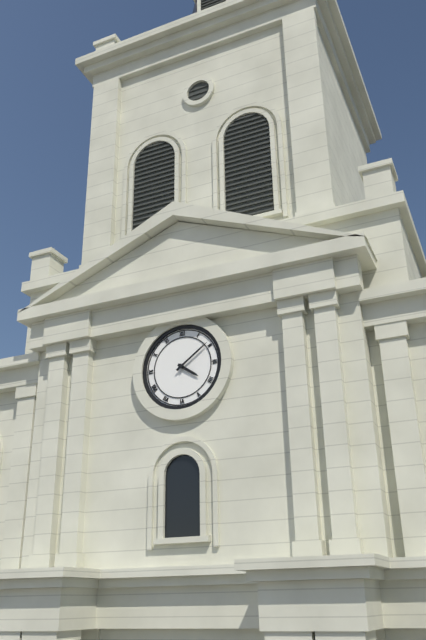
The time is 4 h 09 min
